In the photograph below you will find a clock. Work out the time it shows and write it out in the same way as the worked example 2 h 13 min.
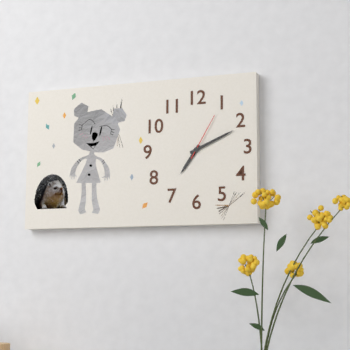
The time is 7 h 11 min
